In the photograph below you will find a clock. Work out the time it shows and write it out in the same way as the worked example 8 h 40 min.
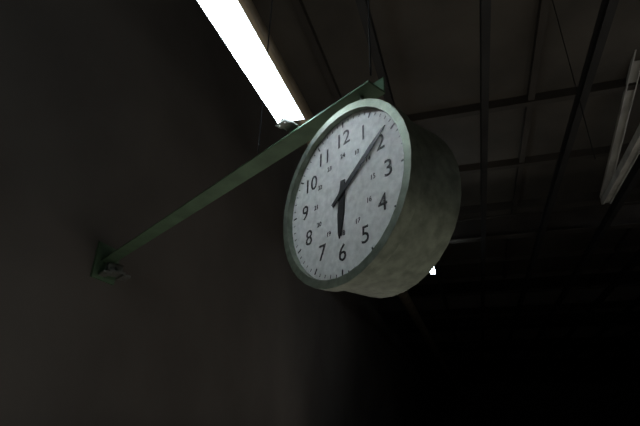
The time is 6 h 09 min
